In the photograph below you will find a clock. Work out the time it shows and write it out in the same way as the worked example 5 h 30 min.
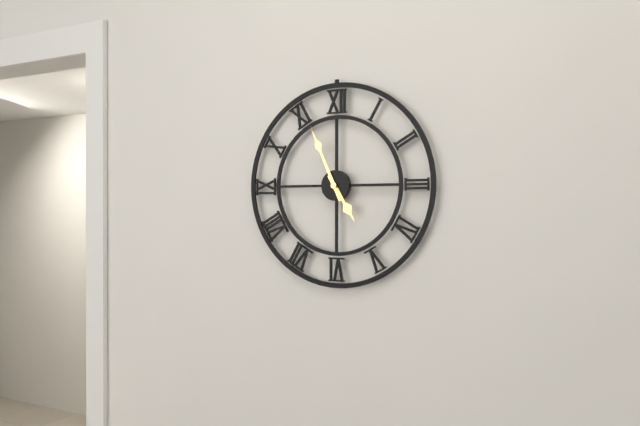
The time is 4 h 56 min
